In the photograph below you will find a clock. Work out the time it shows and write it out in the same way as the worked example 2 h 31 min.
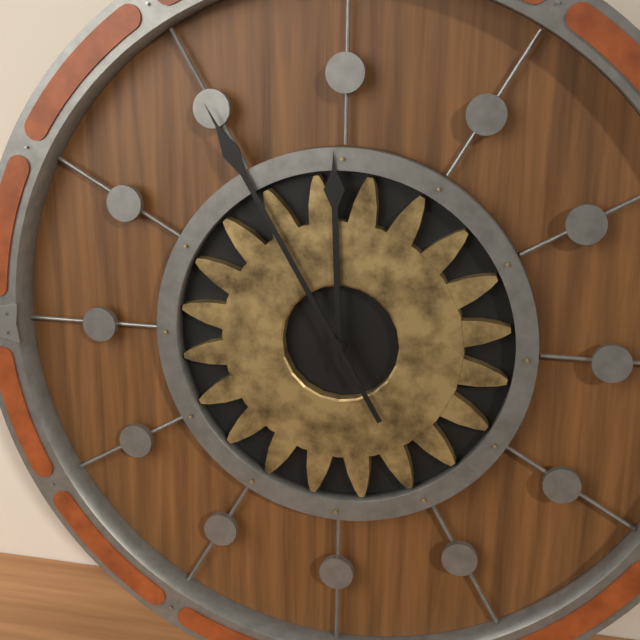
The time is 11 h 55 min
